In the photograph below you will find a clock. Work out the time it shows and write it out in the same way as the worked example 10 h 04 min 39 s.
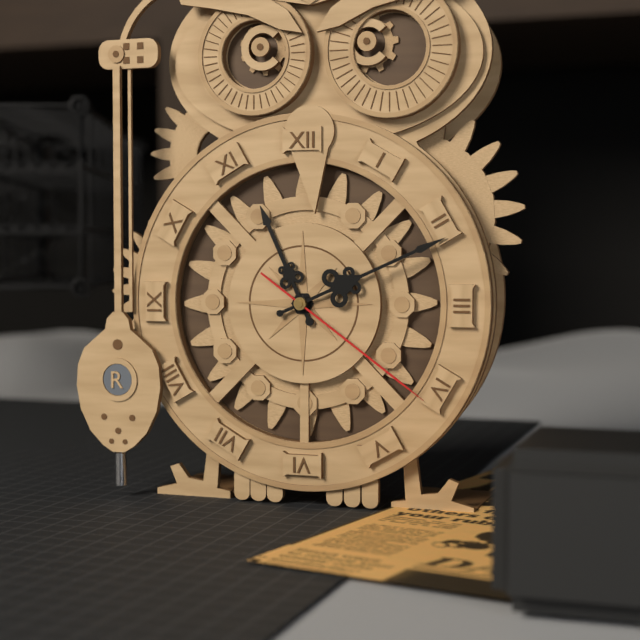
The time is 11 h 11 min 21 s
